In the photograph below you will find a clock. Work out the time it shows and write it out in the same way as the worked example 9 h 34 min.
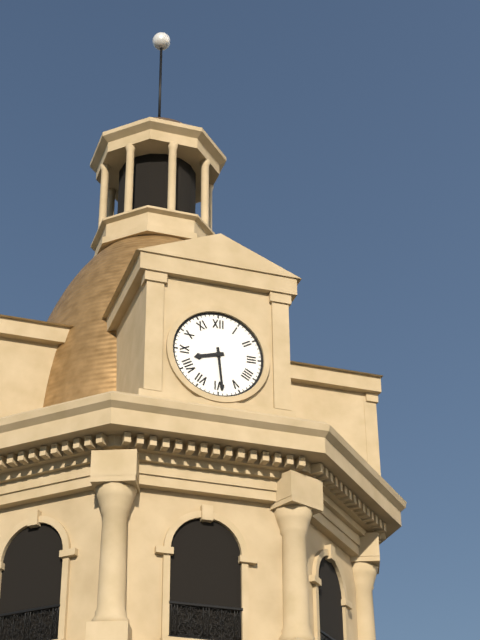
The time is 8 h 29 min
